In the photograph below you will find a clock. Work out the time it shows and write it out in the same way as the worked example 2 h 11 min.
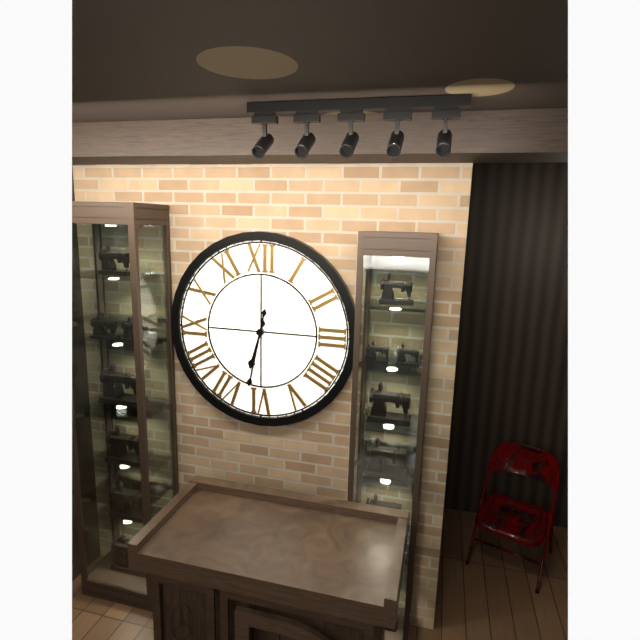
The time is 6 h 32 min
